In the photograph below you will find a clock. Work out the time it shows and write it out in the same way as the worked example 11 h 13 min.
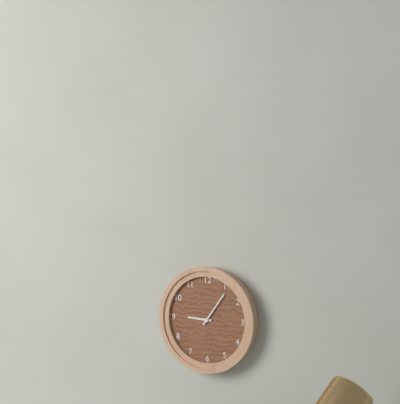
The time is 9 h 06 min
